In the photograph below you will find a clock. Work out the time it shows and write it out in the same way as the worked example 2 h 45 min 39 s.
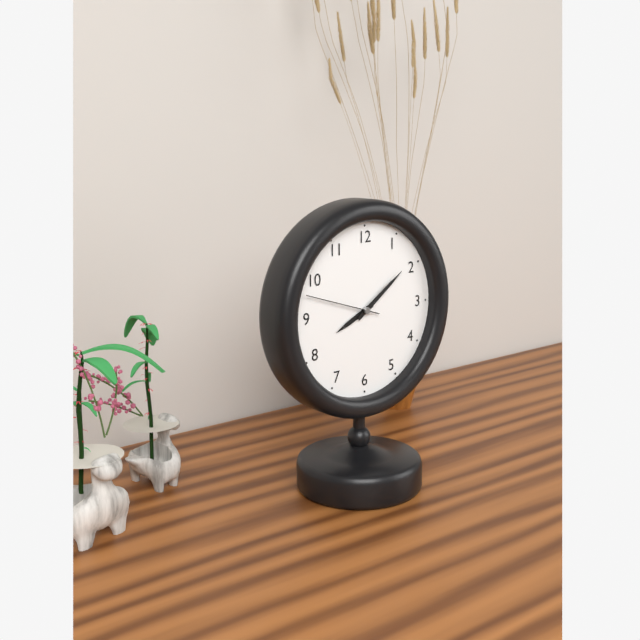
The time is 8 h 09 min 48 s
